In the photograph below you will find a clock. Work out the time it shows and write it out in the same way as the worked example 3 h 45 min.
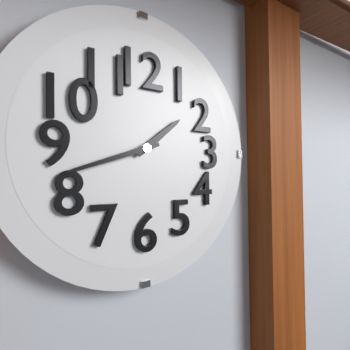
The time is 1 h 42 min
